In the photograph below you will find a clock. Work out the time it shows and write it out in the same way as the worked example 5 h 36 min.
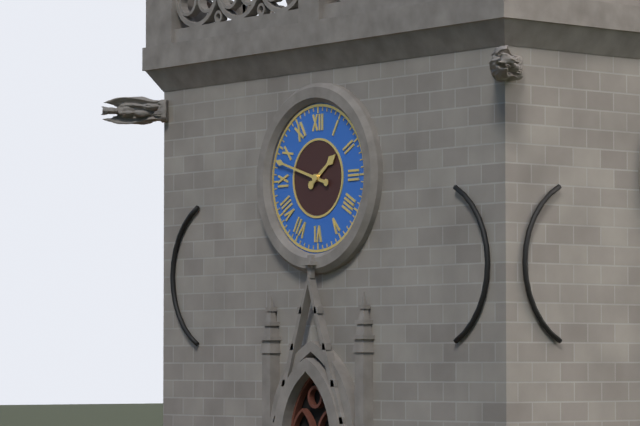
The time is 1 h 48 min
